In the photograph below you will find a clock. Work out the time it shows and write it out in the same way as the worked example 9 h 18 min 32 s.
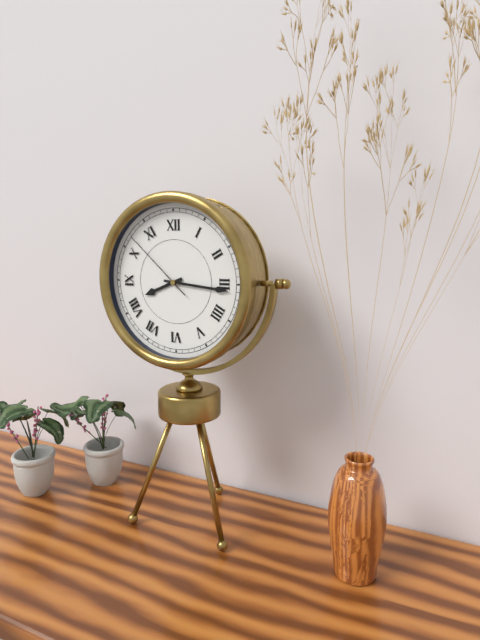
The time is 8 h 16 min 52 s
